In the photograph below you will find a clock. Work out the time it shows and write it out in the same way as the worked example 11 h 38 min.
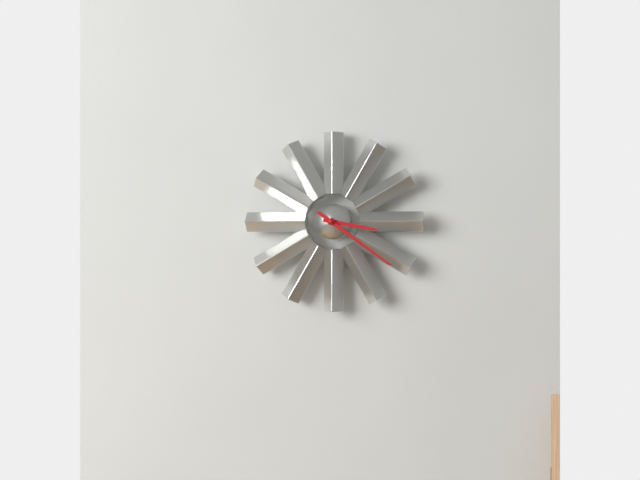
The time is 3 h 21 min
